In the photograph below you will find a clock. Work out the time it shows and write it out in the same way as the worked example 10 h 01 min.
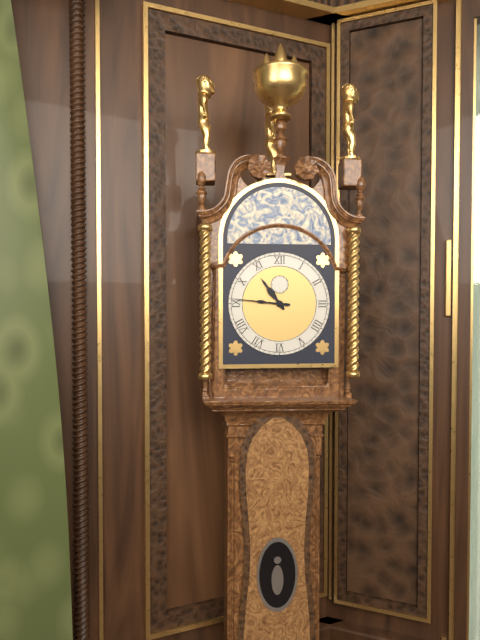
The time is 10 h 46 min
